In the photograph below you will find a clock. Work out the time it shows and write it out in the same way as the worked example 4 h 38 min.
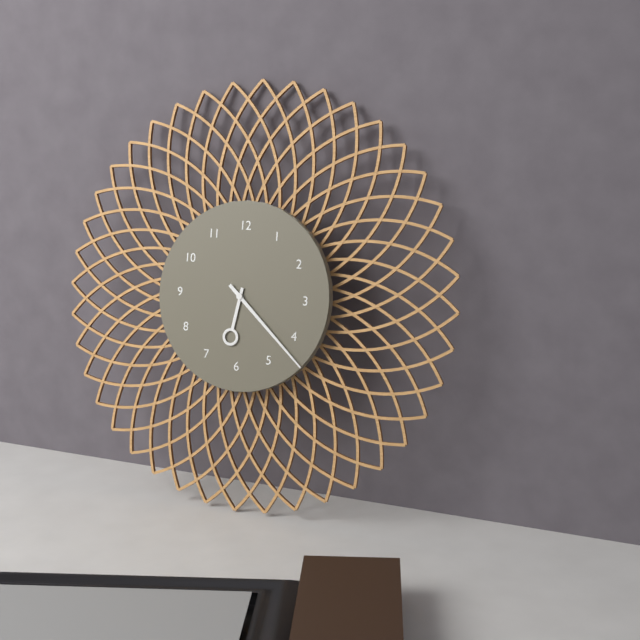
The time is 6 h 22 min
